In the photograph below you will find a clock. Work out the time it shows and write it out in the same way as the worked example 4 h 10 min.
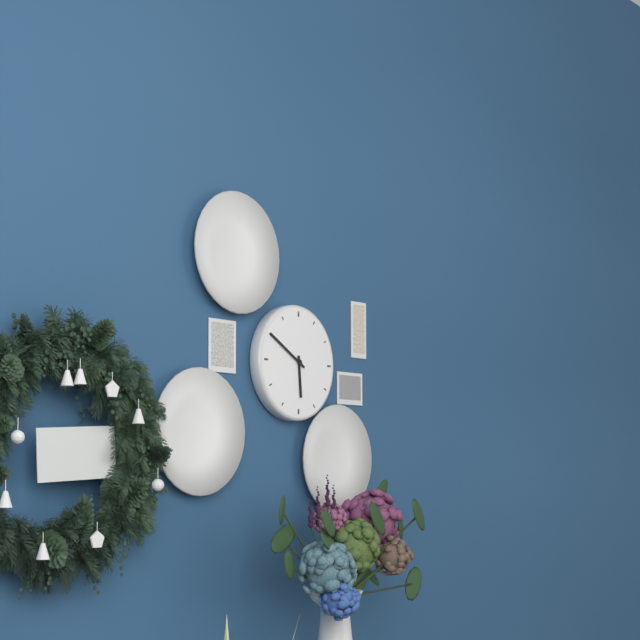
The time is 5 h 50 min
